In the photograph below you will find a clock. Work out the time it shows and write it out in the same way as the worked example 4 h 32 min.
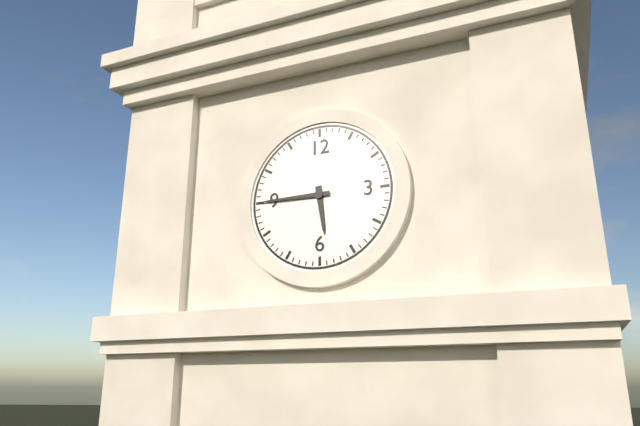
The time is 5 h 45 min
